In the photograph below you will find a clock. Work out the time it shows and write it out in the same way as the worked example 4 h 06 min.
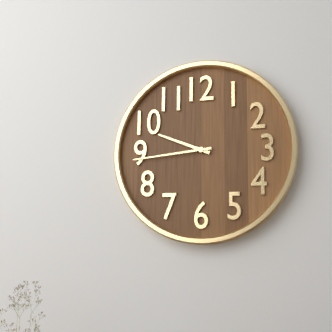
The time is 9 h 44 min
